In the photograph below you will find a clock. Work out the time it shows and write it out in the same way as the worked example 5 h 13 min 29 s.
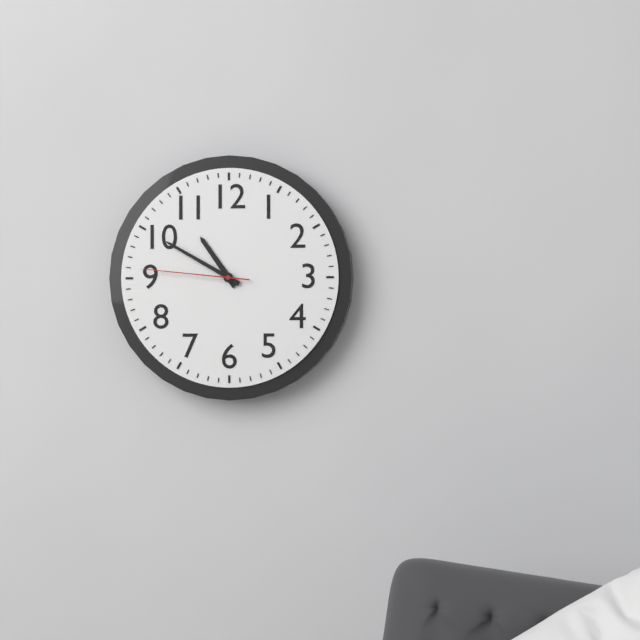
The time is 10 h 50 min 46 s
